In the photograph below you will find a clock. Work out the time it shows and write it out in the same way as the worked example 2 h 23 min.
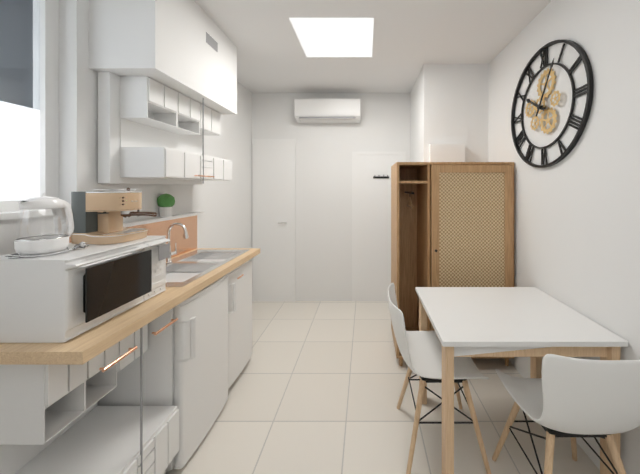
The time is 10 h 05 min
